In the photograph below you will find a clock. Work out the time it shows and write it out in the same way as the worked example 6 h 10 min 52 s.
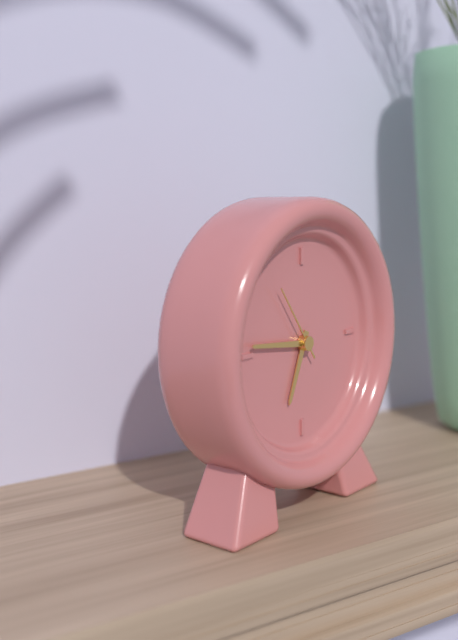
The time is 6 h 46 min 54 s
